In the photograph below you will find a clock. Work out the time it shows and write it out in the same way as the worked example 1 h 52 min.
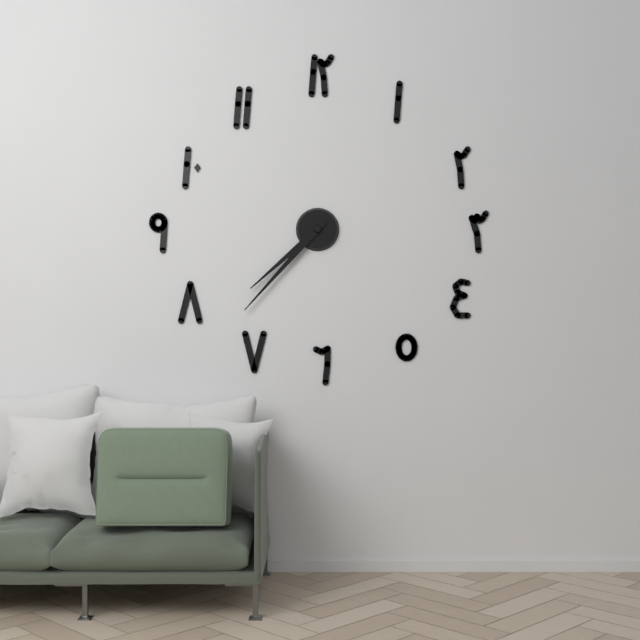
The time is 7 h 37 min
